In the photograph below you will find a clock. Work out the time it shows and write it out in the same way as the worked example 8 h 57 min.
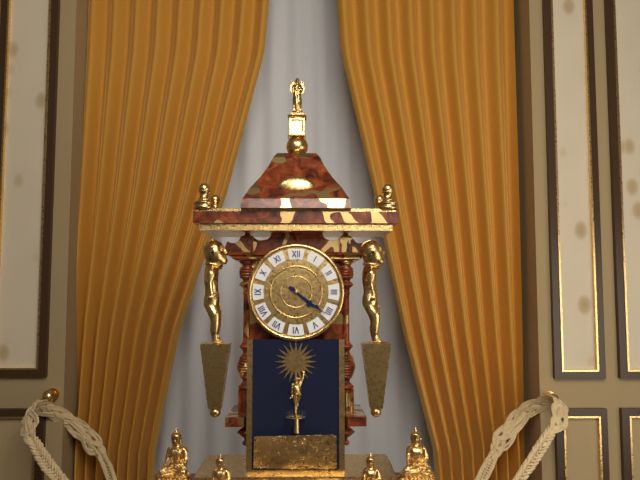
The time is 4 h 21 min
